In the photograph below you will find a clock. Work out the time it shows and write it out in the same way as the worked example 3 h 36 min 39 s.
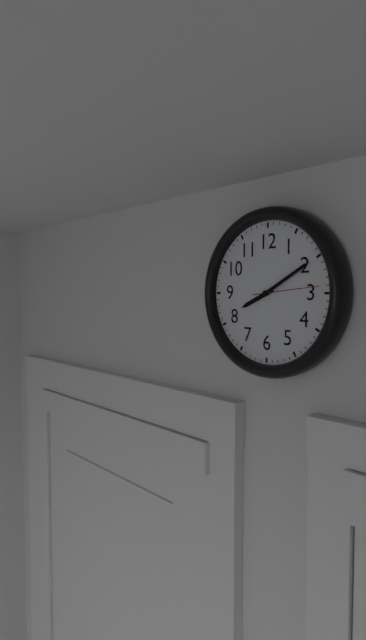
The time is 8 h 10 min 14 s
